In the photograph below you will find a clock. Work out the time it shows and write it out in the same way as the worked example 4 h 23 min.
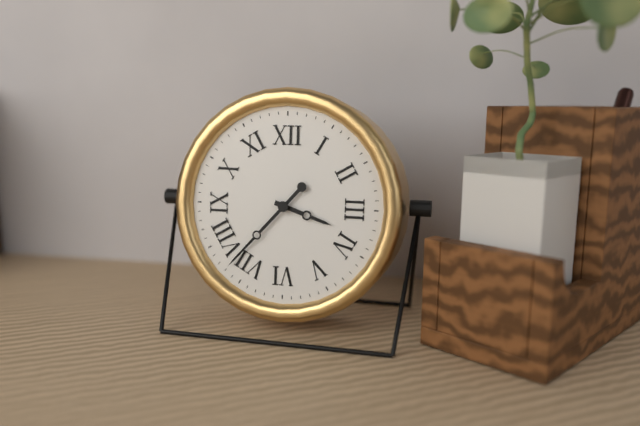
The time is 3 h 37 min
